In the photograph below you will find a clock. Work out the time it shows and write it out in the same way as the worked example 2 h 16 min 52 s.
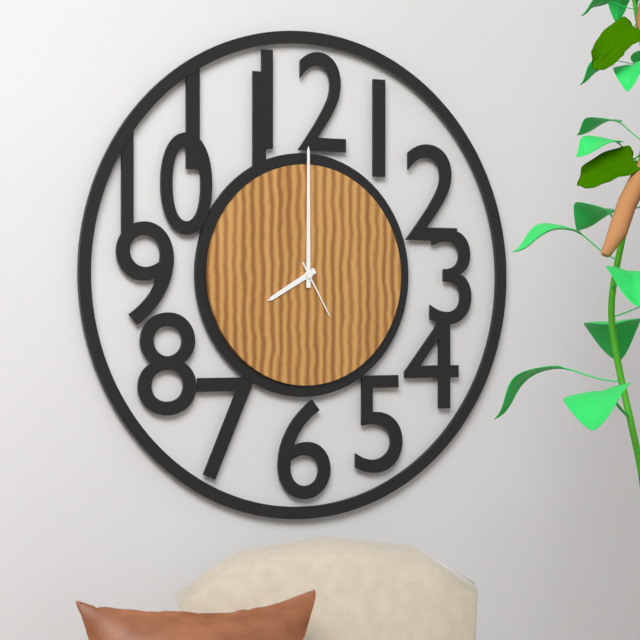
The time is 8 h 00 min 25 s
